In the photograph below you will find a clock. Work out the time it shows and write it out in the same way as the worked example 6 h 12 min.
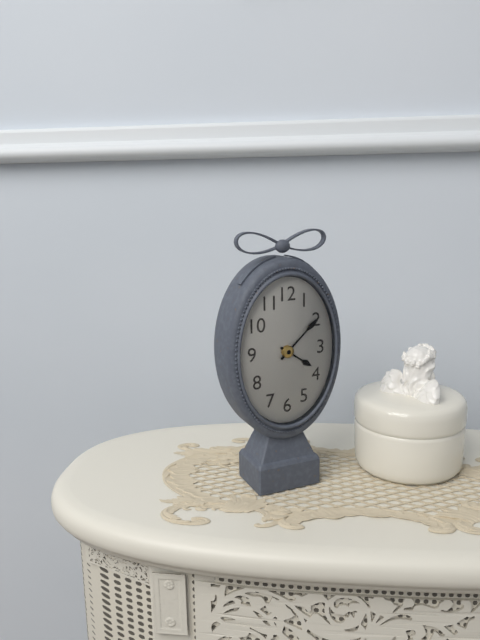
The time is 4 h 08 min
